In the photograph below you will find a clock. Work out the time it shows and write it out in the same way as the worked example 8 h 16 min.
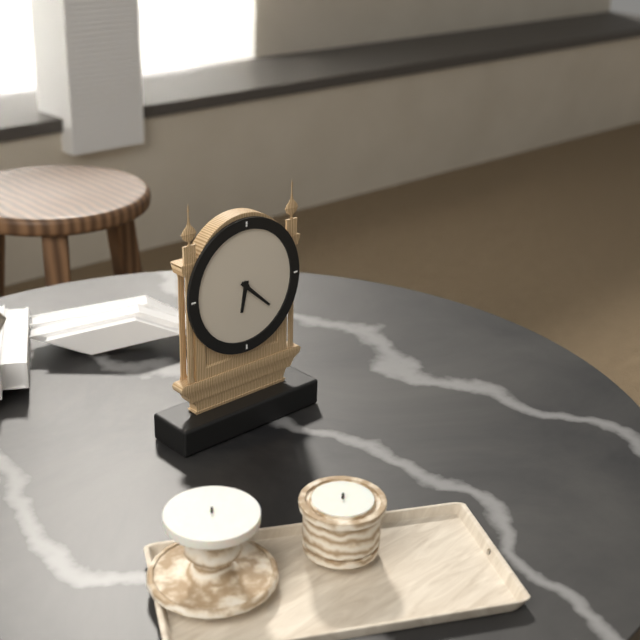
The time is 6 h 22 min
